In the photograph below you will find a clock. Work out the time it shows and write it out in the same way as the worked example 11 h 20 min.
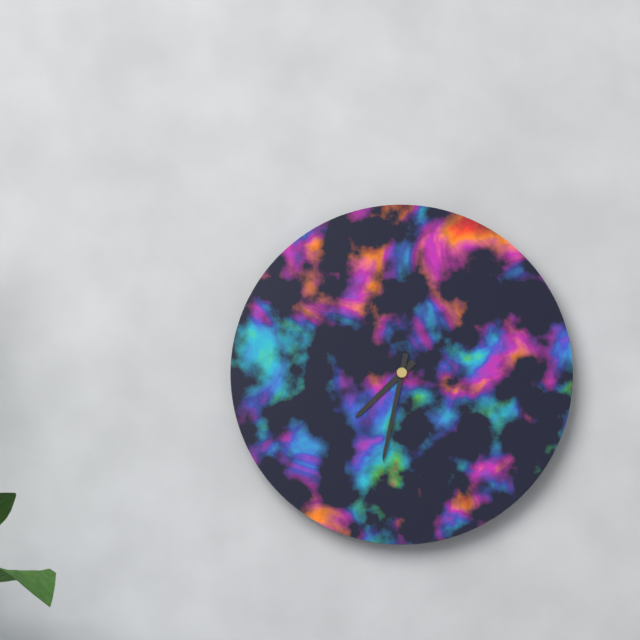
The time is 7 h 32 min
